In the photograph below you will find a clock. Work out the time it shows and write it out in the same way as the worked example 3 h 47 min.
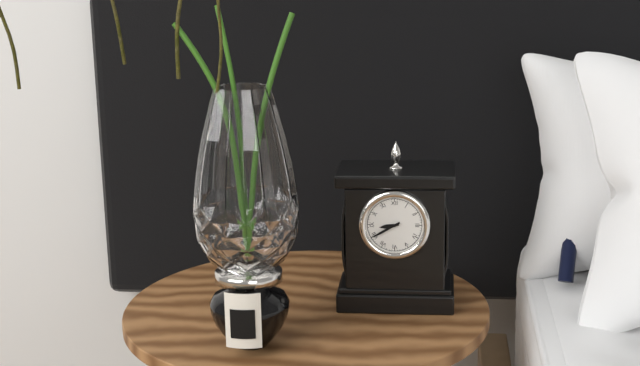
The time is 8 h 40 min
